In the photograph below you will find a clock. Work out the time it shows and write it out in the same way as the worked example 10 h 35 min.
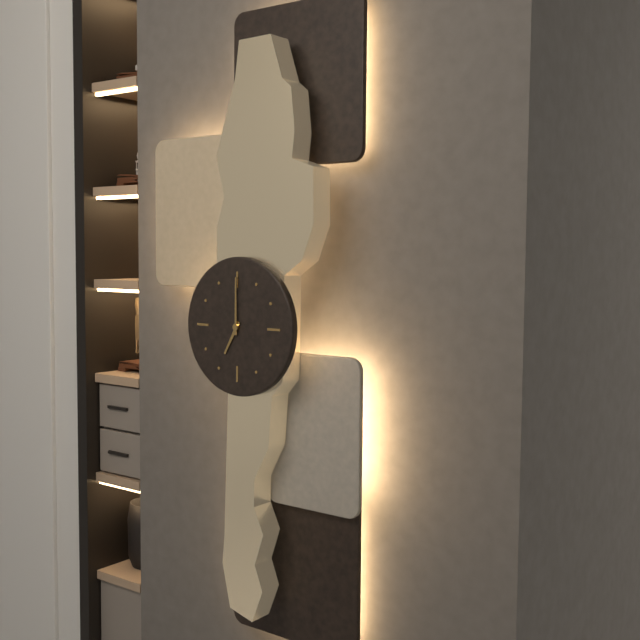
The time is 7 h 00 min
